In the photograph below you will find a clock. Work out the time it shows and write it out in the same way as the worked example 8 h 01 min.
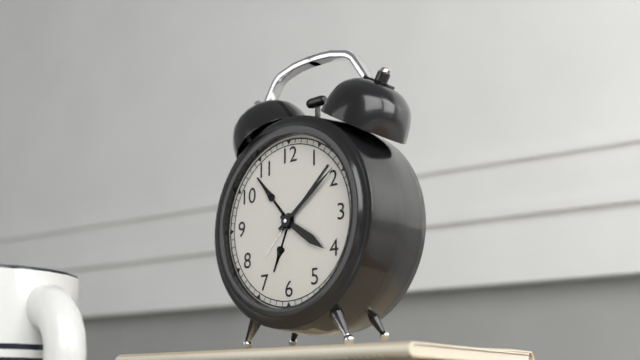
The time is 4 h 09 min
